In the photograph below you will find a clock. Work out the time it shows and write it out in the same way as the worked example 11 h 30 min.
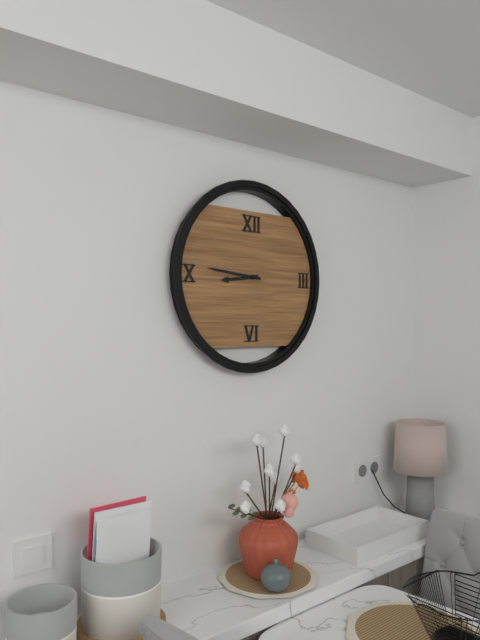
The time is 8 h 46 min
